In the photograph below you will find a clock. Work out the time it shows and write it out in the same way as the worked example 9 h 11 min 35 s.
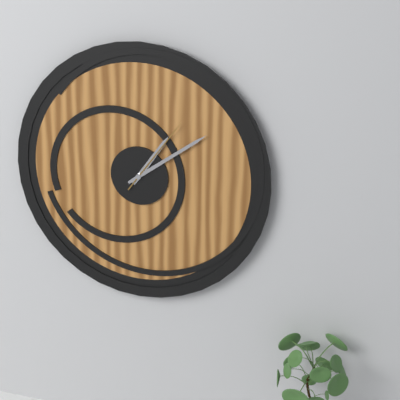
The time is 1 h 09 min 06 s
